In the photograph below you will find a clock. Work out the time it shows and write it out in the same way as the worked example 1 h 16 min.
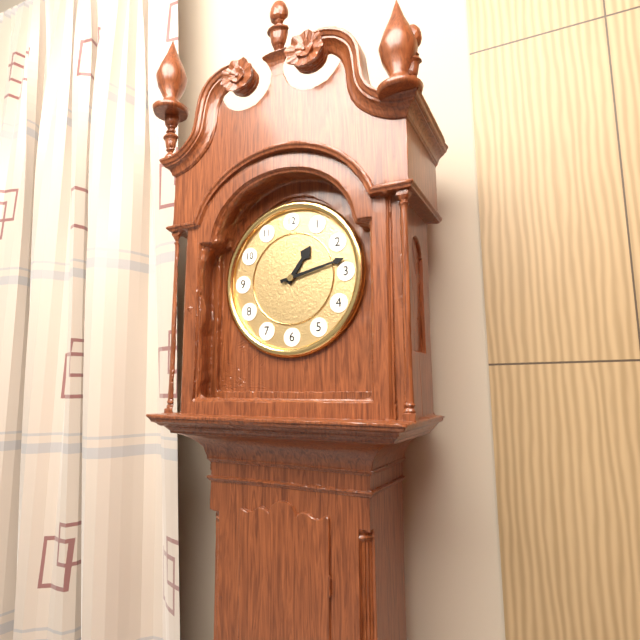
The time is 1 h 13 min
